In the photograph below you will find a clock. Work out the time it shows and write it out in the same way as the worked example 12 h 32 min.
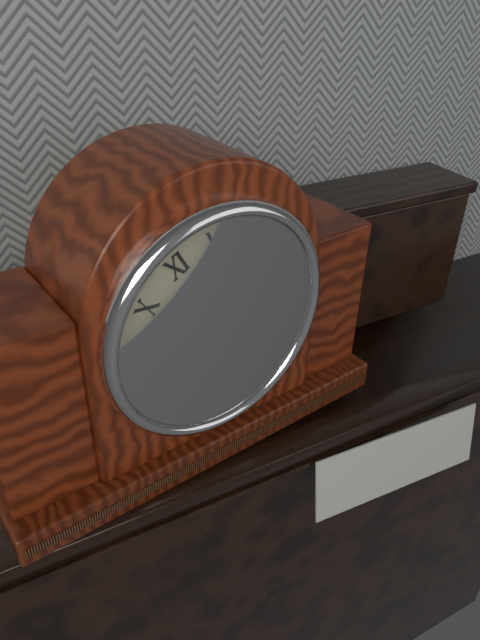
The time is 3 h 01 min
